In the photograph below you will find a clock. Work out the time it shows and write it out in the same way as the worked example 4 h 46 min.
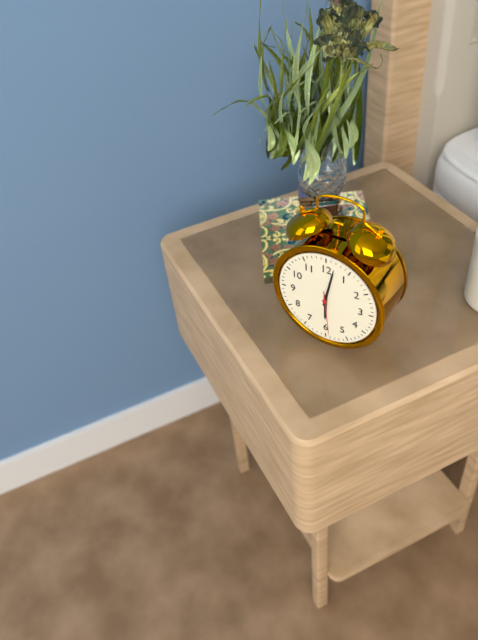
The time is 6 h 02 min
